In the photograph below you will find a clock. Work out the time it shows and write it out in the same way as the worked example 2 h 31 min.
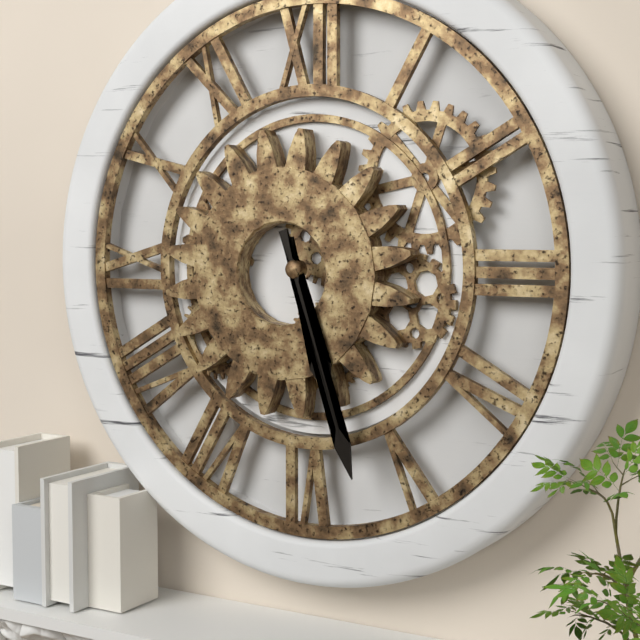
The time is 5 h 27 min
